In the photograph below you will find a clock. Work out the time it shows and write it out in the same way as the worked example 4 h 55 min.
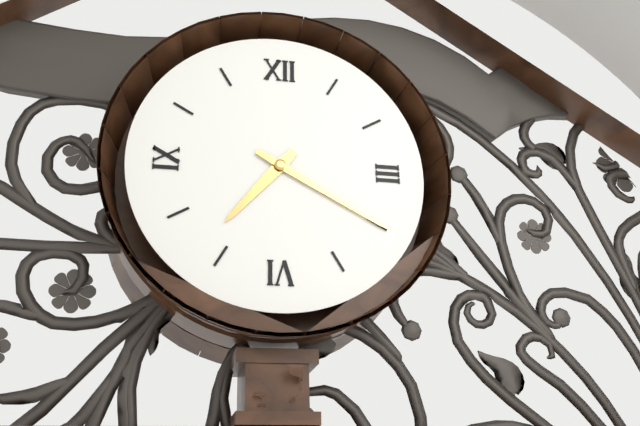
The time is 7 h 20 min
